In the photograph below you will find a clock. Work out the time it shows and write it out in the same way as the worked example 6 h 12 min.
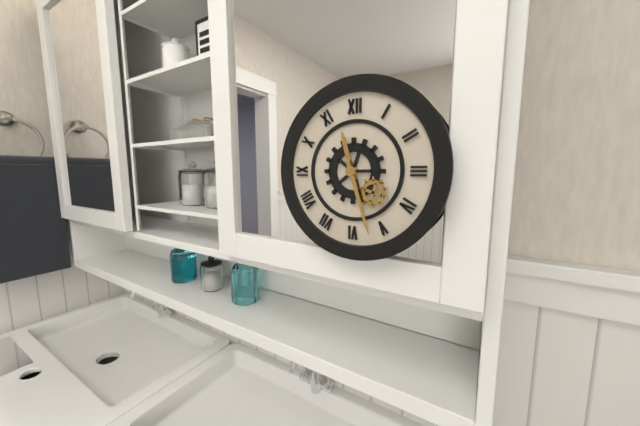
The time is 11 h 27 min
